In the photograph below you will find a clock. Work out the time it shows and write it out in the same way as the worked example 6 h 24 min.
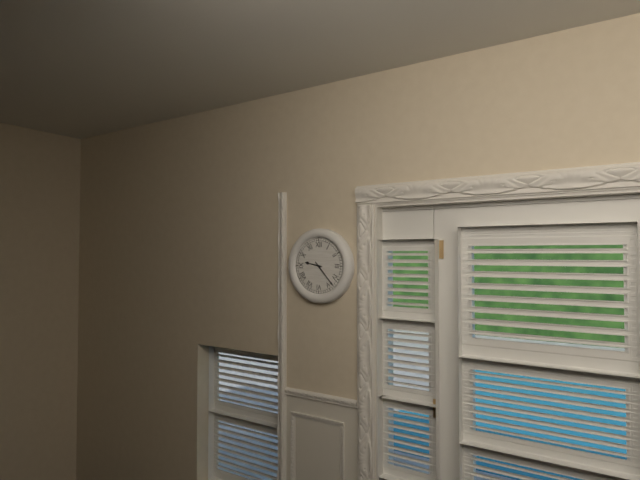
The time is 9 h 23 min
